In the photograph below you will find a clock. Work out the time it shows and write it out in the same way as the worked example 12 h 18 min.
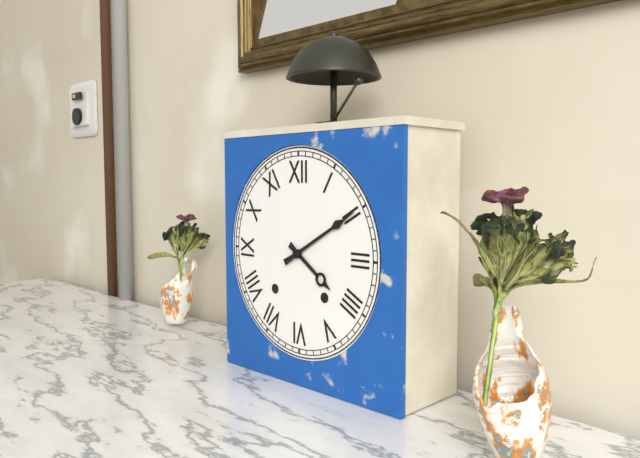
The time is 4 h 10 min
